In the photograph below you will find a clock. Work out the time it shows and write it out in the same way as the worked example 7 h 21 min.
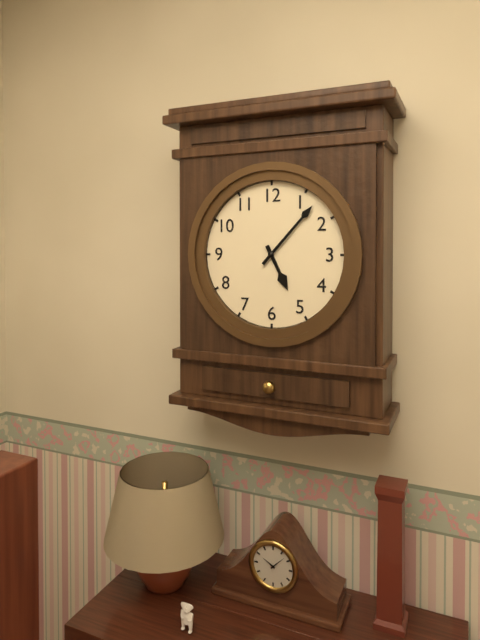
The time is 5 h 07 min
